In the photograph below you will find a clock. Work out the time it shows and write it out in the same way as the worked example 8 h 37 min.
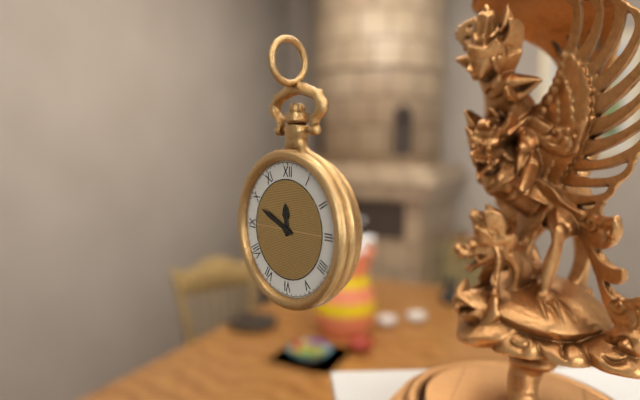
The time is 11 h 49 min
